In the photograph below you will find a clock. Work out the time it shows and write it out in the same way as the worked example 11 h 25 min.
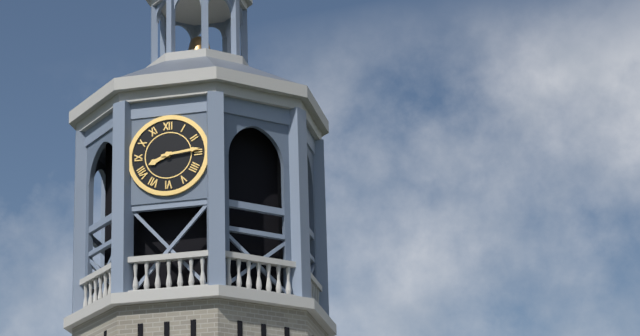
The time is 8 h 14 min
